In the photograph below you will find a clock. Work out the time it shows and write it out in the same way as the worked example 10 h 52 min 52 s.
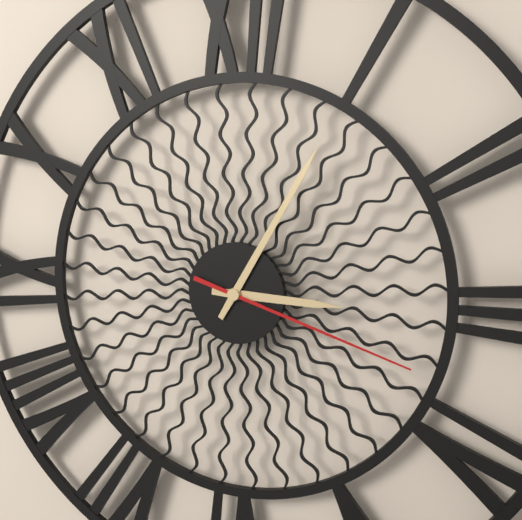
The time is 3 h 05 min 18 s
